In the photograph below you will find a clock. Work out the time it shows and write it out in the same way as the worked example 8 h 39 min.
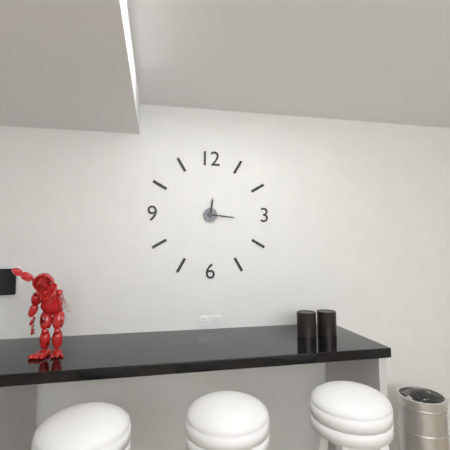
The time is 12 h 16 min
